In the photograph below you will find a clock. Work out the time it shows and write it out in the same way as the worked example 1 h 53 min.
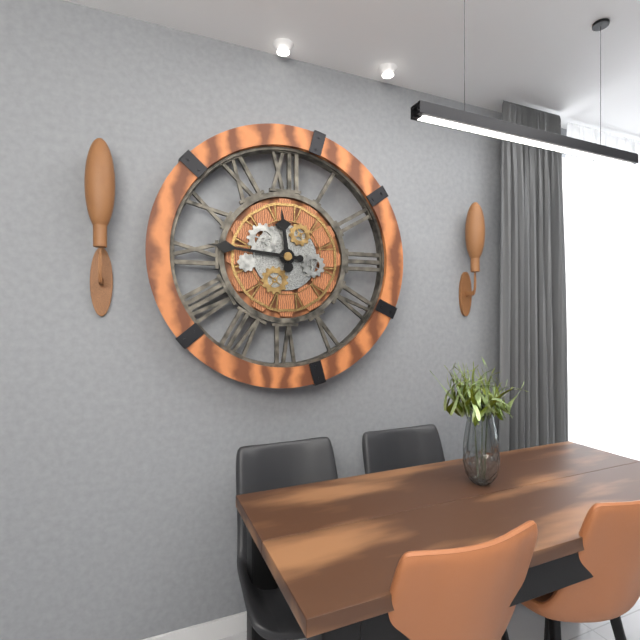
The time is 11 h 46 min
